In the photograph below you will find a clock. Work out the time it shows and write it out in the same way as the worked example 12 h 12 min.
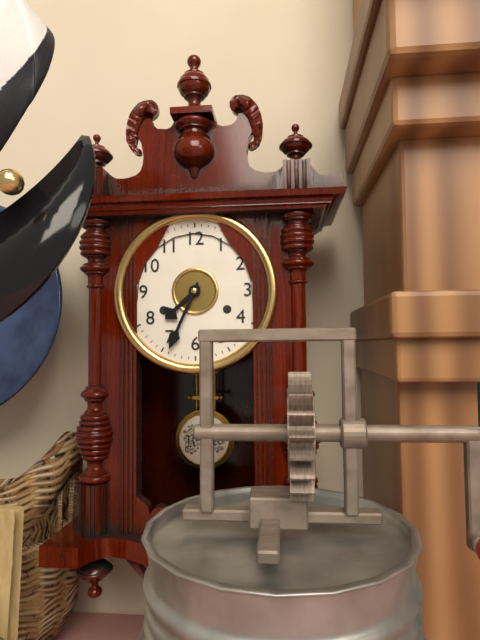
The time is 7 h 34 min
